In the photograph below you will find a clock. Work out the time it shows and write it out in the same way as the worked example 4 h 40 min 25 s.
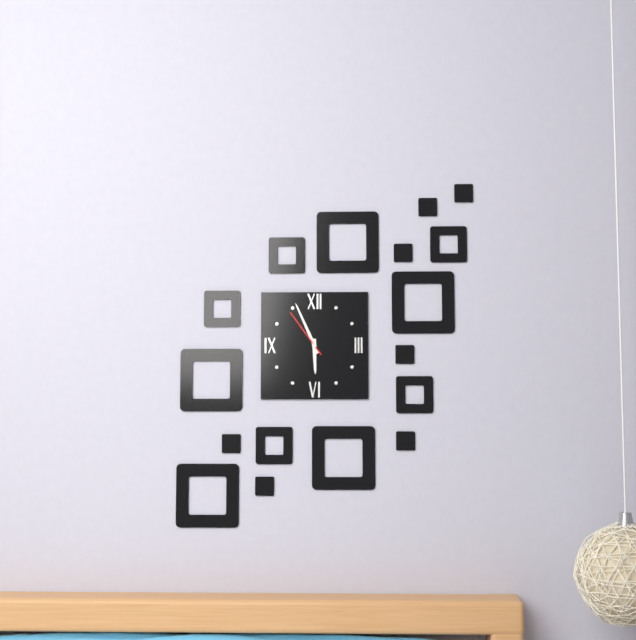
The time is 5 h 56 min 54 s
